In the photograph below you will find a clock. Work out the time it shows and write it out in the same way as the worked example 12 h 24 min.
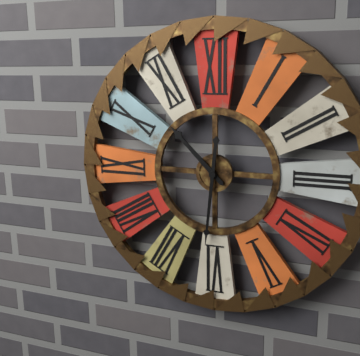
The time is 10 h 31 min
